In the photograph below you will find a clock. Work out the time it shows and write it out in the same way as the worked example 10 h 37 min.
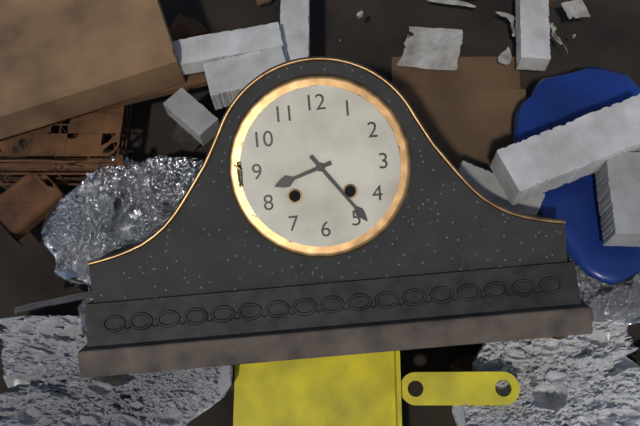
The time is 8 h 24 min
